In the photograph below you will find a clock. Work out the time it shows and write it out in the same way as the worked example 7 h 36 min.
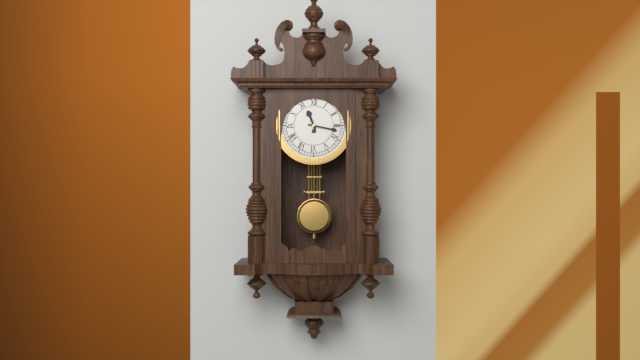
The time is 11 h 17 min
